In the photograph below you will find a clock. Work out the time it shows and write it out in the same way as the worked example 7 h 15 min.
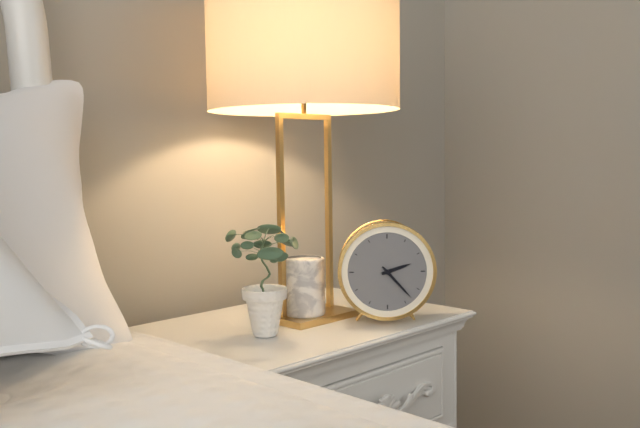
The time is 2 h 23 min
